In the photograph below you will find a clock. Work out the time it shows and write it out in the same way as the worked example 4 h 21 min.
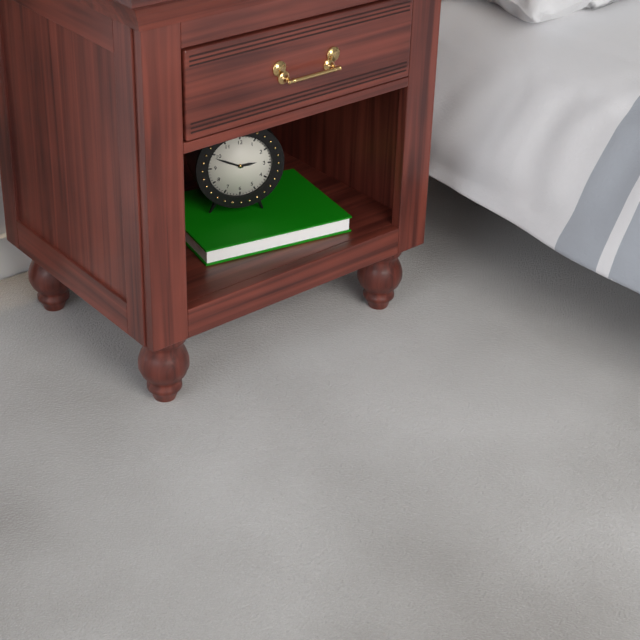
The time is 2 h 49 min
